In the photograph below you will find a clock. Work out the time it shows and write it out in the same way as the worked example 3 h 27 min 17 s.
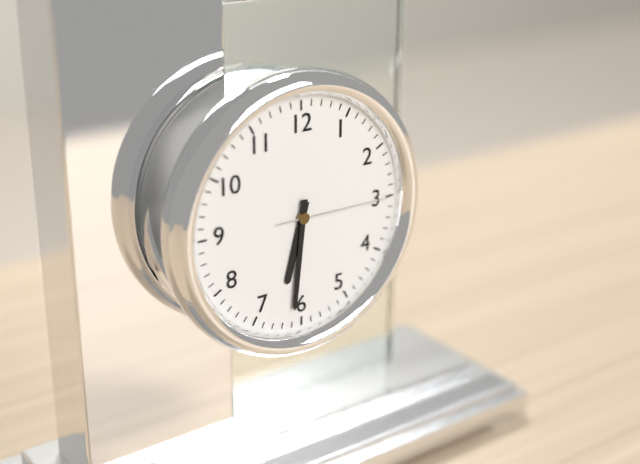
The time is 6 h 31 min 15 s
